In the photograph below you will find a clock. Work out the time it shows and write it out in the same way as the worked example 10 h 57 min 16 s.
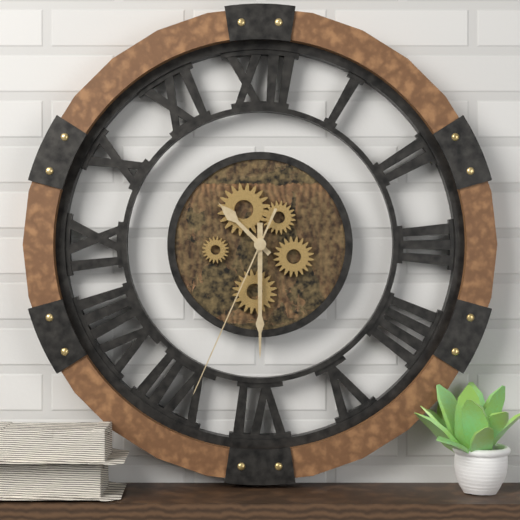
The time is 10 h 30 min 34 s
